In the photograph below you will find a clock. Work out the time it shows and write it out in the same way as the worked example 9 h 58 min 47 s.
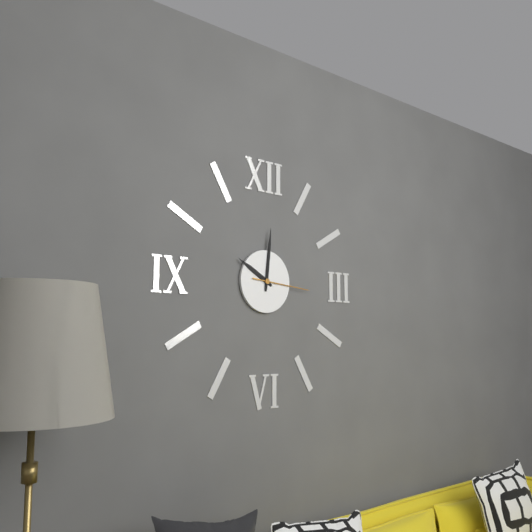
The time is 10 h 01 min 16 s
